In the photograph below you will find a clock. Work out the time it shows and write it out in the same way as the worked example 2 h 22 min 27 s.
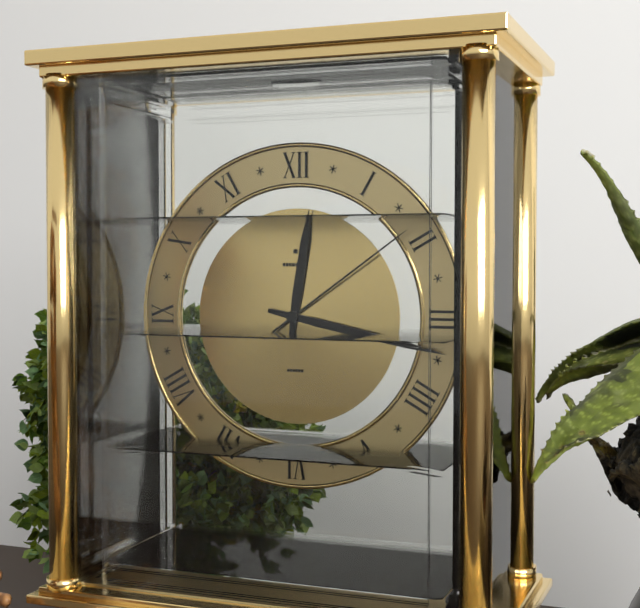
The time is 12 h 17 min 09 s
